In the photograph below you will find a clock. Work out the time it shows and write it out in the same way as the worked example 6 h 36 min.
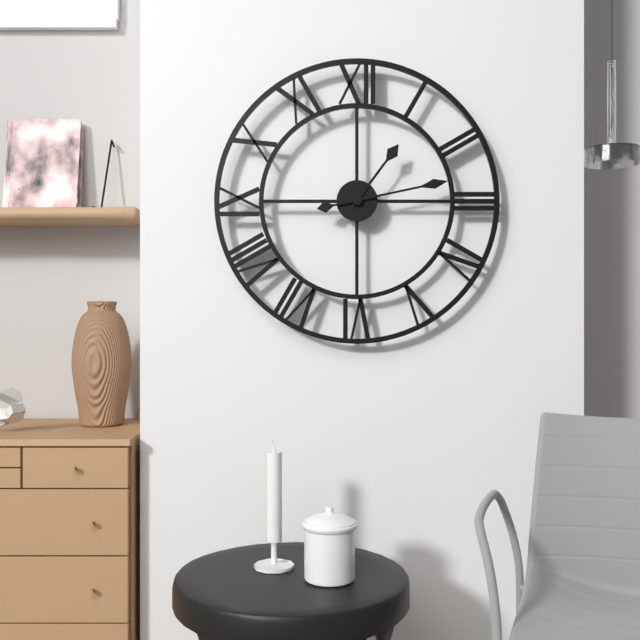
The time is 1 h 13 min
